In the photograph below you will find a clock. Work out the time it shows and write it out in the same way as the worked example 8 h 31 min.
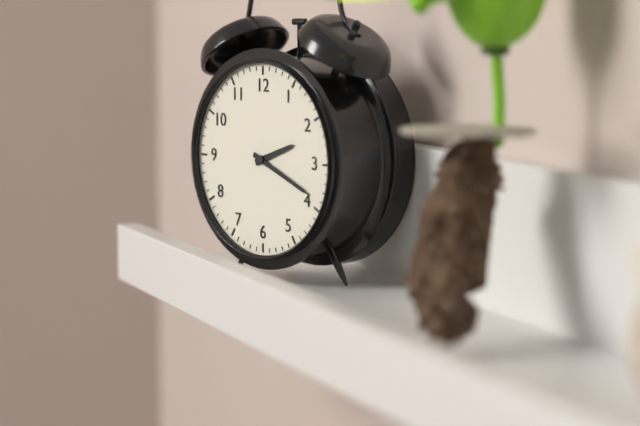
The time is 2 h 19 min
